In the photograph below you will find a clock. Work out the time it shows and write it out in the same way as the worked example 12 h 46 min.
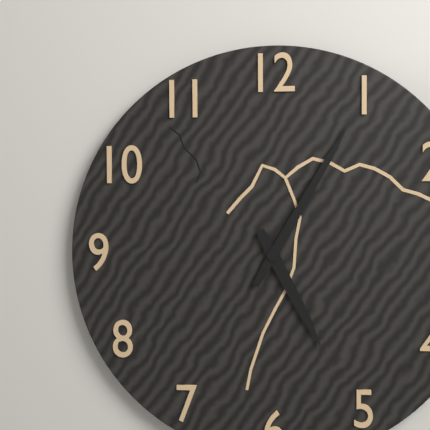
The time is 5 h 05 min
